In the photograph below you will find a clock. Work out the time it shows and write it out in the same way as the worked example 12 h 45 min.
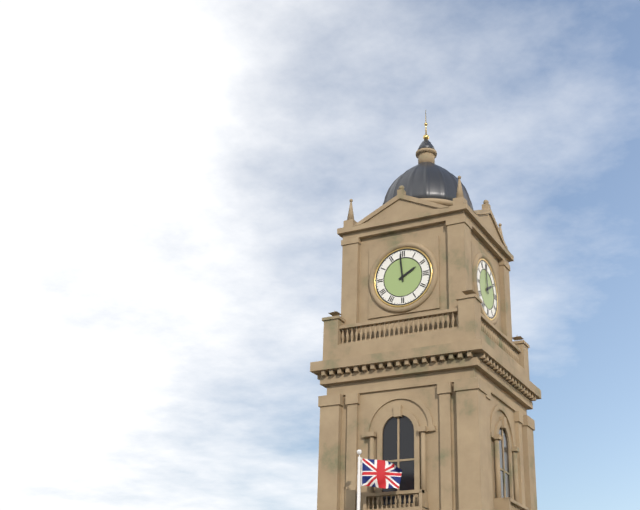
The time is 1 h 59 min
